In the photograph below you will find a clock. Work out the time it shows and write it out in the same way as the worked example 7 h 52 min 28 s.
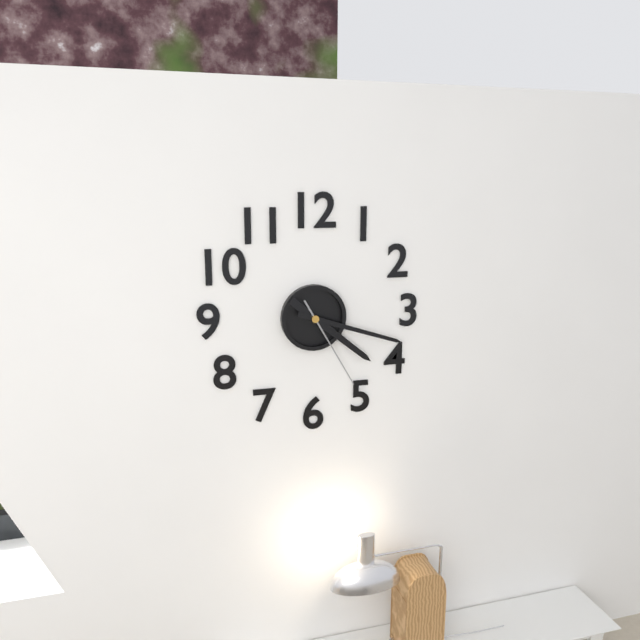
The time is 4 h 18 min 25 s
